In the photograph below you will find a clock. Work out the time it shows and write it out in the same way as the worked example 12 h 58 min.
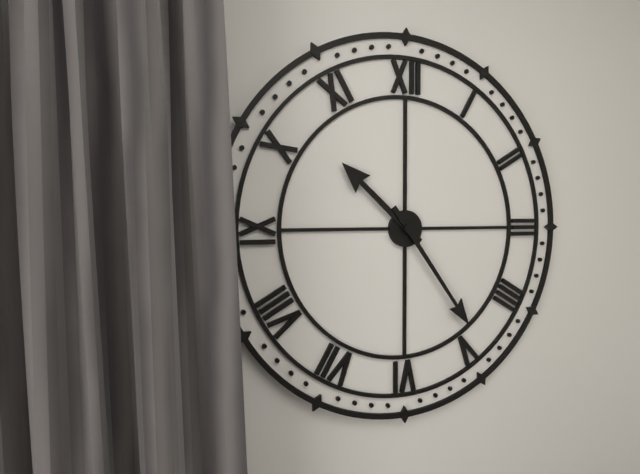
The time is 10 h 24 min
